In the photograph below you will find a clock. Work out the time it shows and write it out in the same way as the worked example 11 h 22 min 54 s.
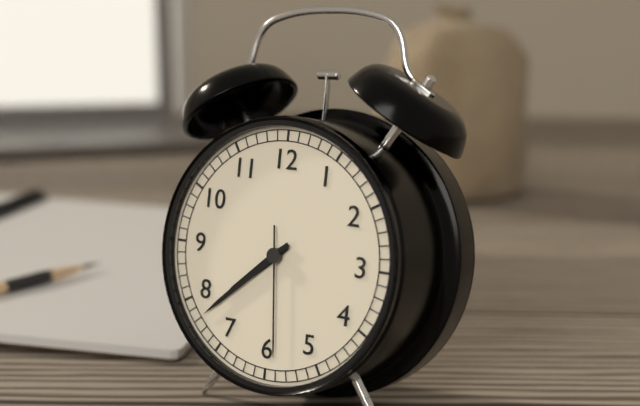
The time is 7 h 38 min 29 s
